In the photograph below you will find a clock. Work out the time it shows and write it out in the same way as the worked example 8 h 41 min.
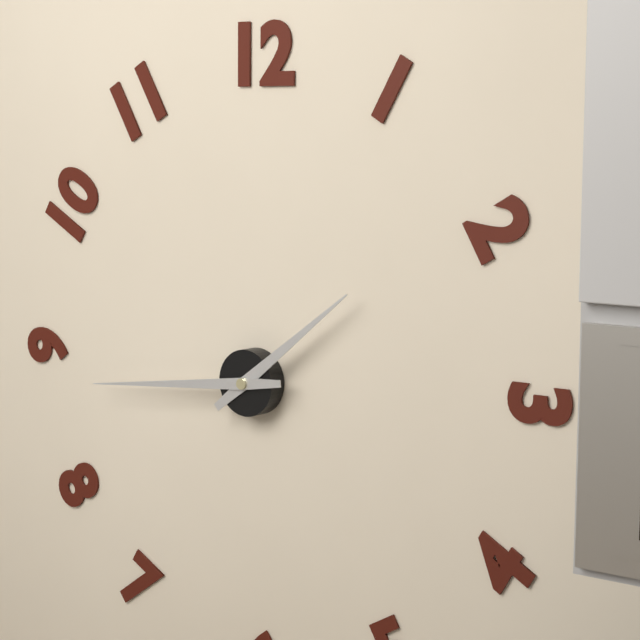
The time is 1 h 44 min
